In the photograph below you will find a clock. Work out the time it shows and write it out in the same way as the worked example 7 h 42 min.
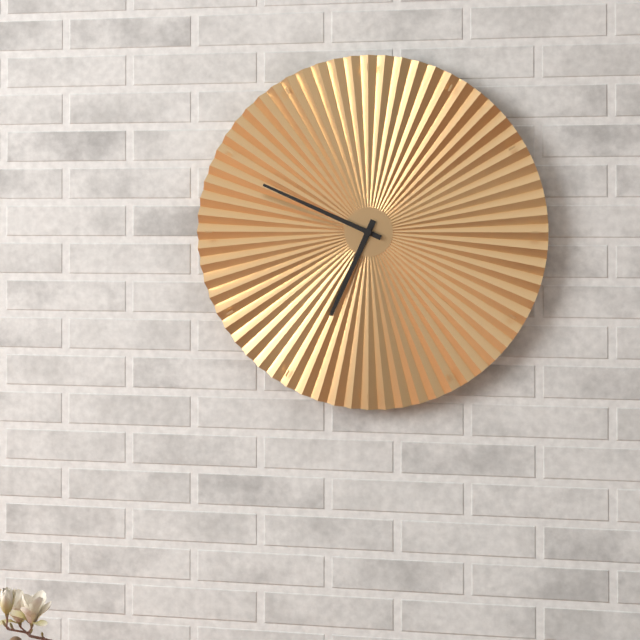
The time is 6 h 49 min
